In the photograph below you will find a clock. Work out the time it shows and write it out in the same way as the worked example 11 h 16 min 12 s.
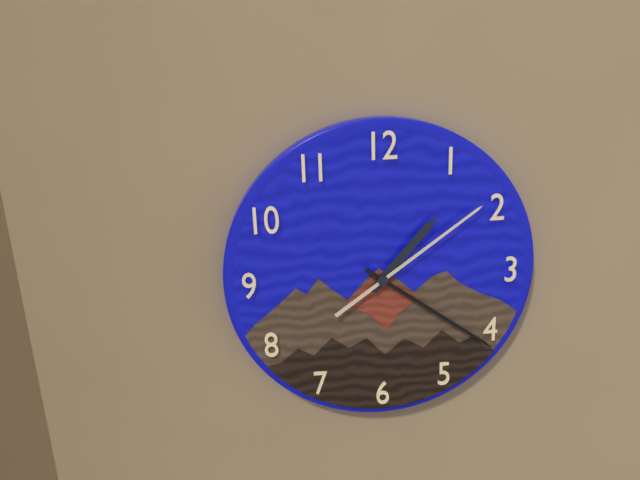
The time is 1 h 21 min 09 s
